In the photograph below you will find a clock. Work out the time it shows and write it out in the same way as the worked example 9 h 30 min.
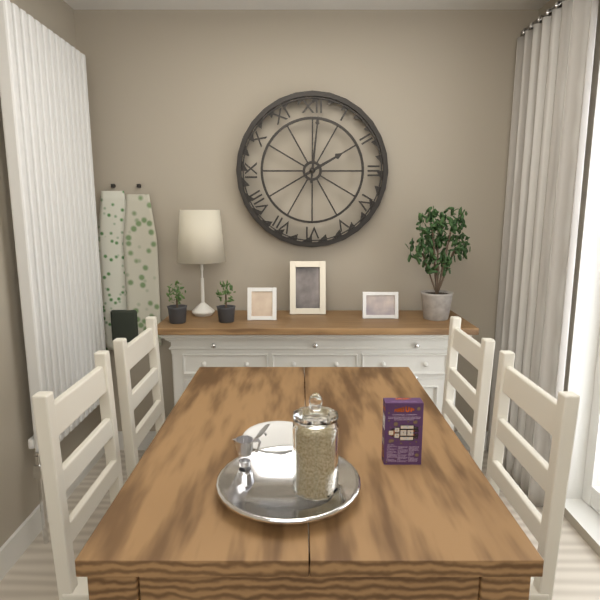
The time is 2 h 01 min
